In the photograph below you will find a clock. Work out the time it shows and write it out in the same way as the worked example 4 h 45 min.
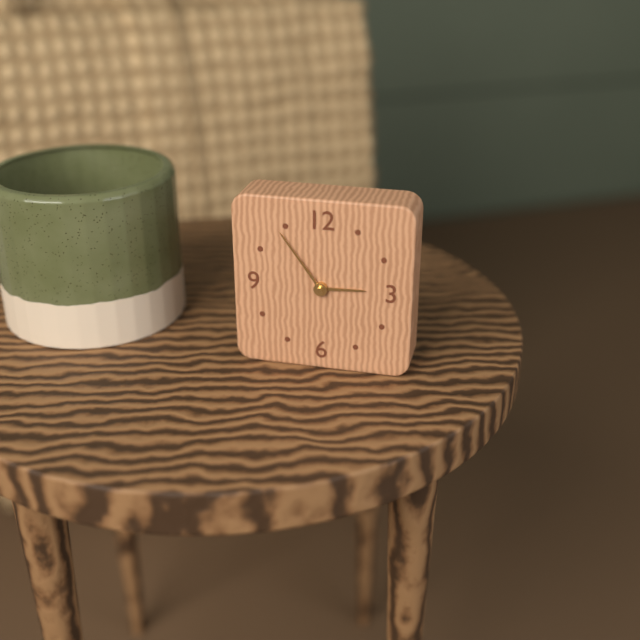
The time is 2 h 54 min
